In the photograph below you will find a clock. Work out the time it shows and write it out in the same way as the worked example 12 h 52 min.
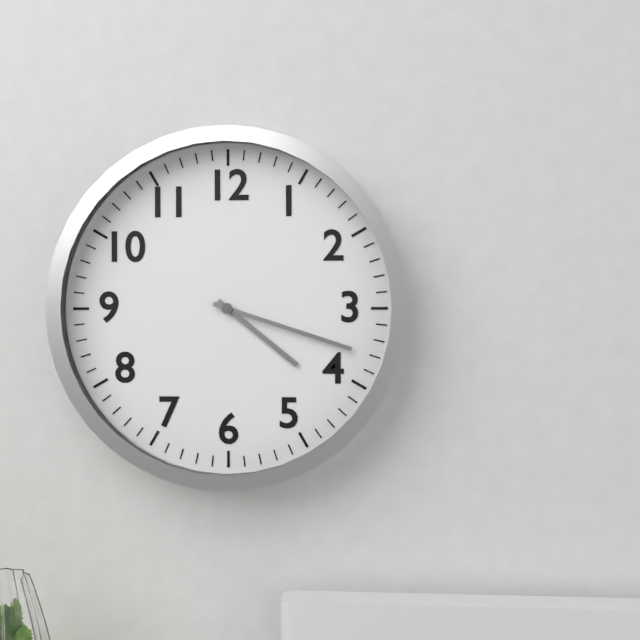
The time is 4 h 18 min
